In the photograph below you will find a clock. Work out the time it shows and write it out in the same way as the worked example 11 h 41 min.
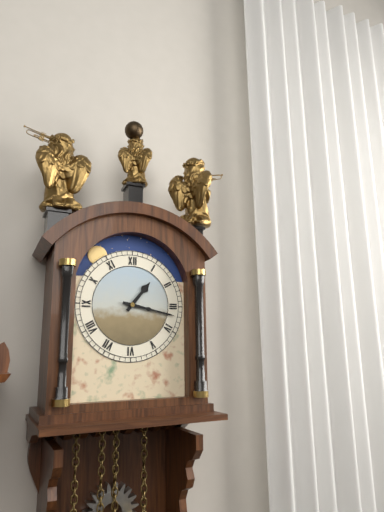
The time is 1 h 17 min
